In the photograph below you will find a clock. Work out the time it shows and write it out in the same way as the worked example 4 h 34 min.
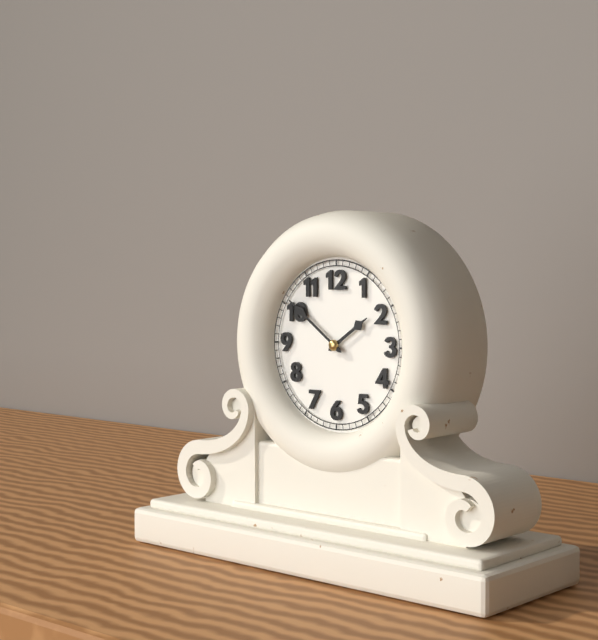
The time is 1 h 51 min
